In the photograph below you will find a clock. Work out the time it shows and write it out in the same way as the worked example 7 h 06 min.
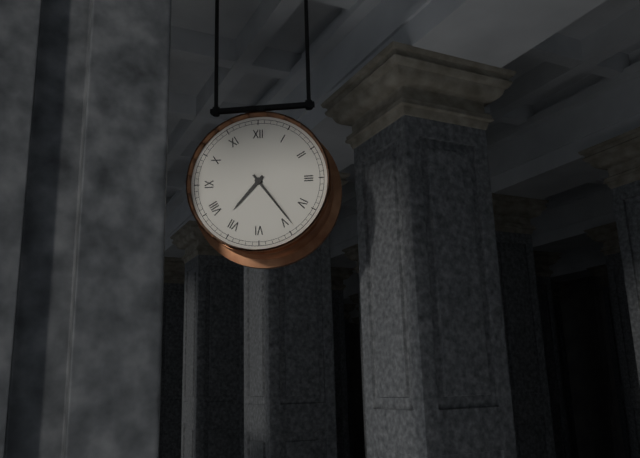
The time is 7 h 24 min
